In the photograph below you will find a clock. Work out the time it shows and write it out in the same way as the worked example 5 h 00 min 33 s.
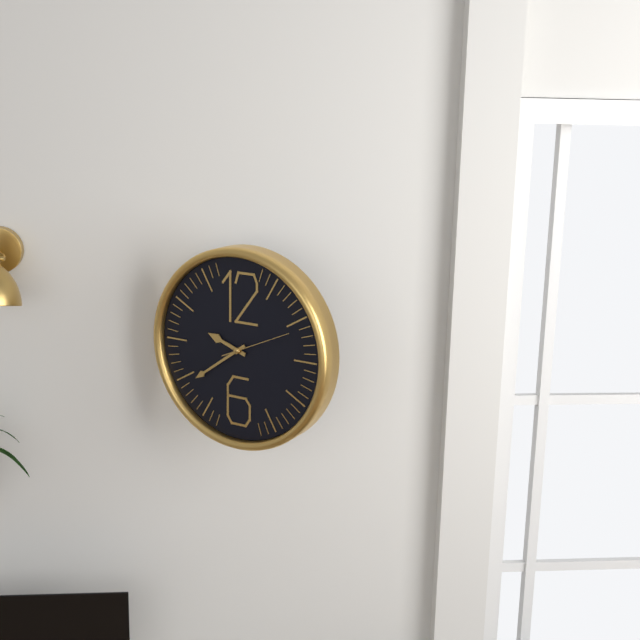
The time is 9 h 39 min 11 s
